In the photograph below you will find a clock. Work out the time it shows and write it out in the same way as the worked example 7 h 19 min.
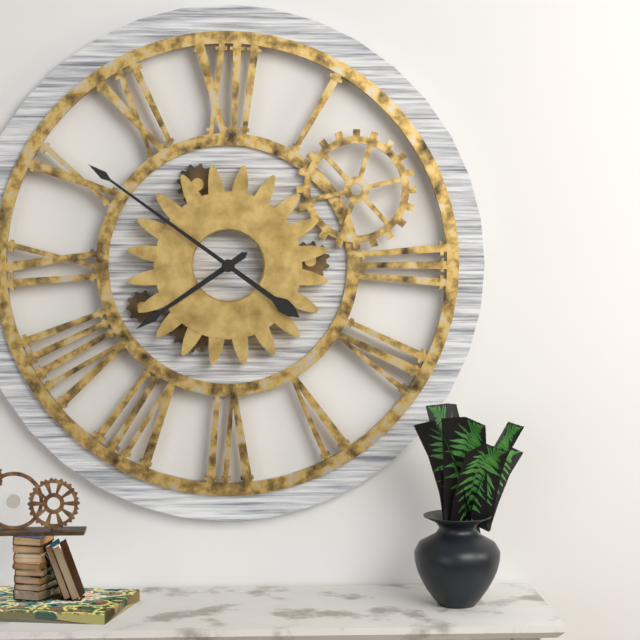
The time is 7 h 51 min
